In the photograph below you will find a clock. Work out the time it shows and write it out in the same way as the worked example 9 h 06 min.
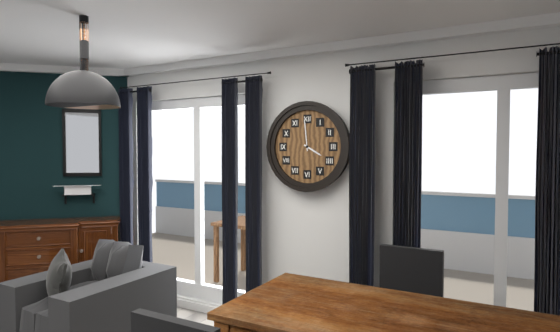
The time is 3 h 59 min
